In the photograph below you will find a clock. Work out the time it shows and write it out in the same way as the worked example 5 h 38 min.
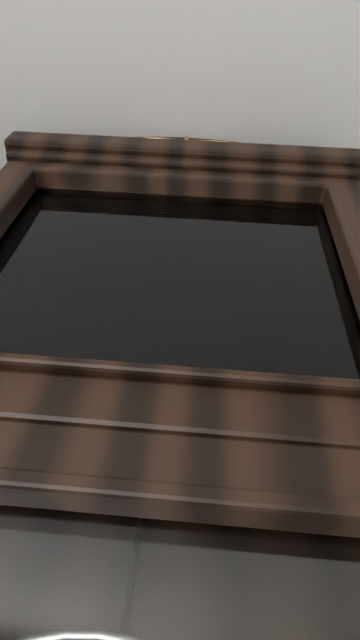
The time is 7 h 49 min
